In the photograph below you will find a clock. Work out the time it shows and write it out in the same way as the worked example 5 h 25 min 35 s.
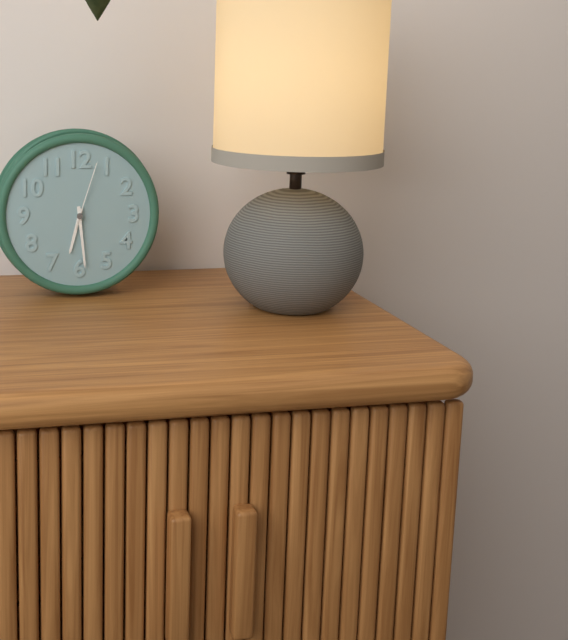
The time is 6 h 29 min 03 s
